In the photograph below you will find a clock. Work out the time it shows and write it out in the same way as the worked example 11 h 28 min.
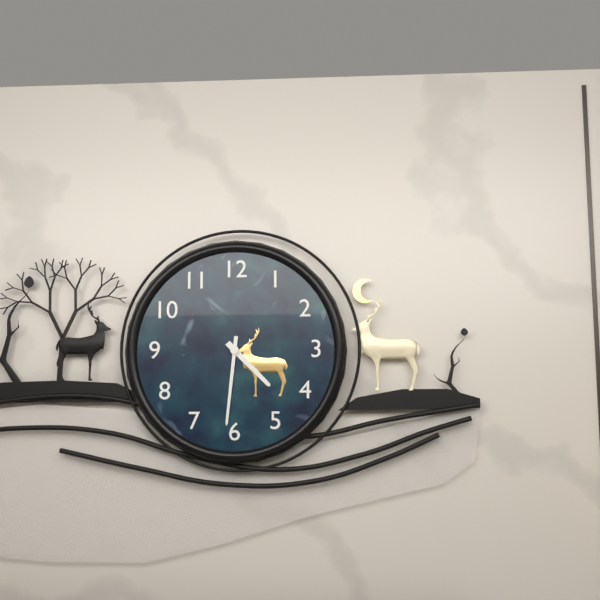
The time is 4 h 31 min
